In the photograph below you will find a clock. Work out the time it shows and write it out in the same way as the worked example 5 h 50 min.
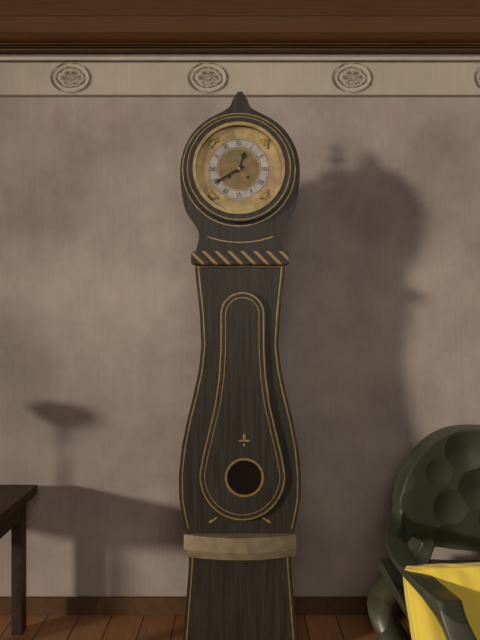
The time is 12 h 40 min
